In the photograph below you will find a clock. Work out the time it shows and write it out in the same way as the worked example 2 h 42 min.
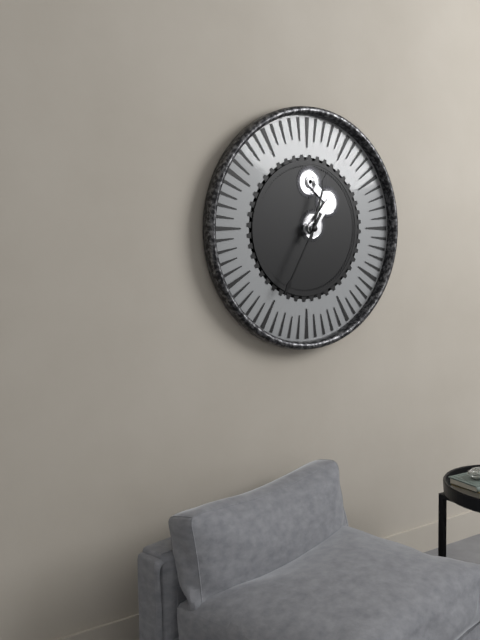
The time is 12 h 35 min
